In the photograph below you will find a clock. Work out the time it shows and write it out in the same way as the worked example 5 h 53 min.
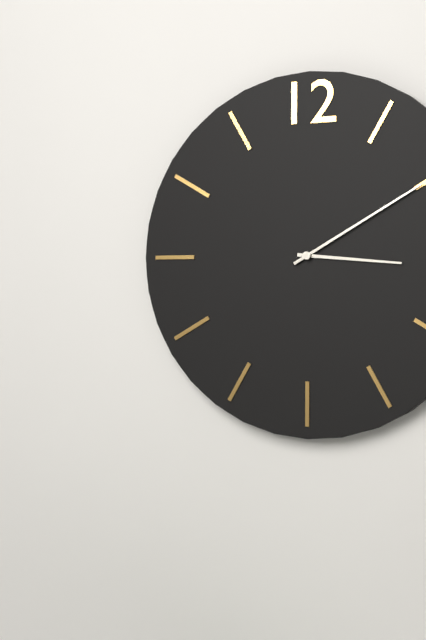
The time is 3 h 10 min
